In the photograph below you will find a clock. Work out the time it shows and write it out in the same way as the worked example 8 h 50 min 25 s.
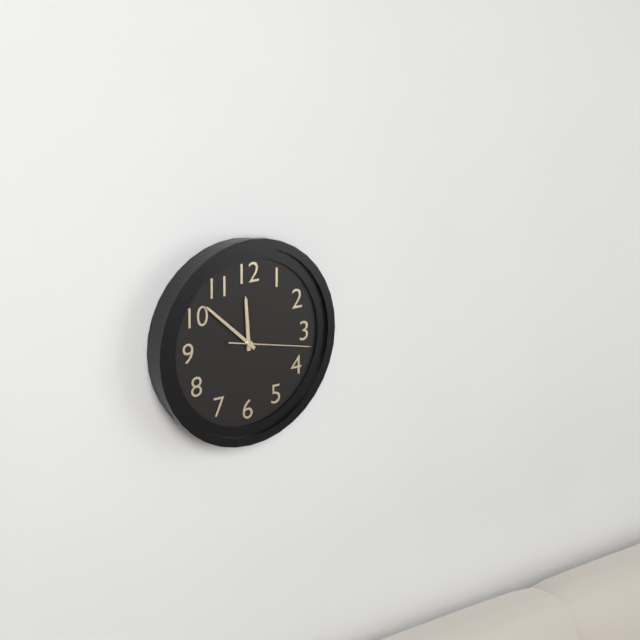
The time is 11 h 52 min 17 s
